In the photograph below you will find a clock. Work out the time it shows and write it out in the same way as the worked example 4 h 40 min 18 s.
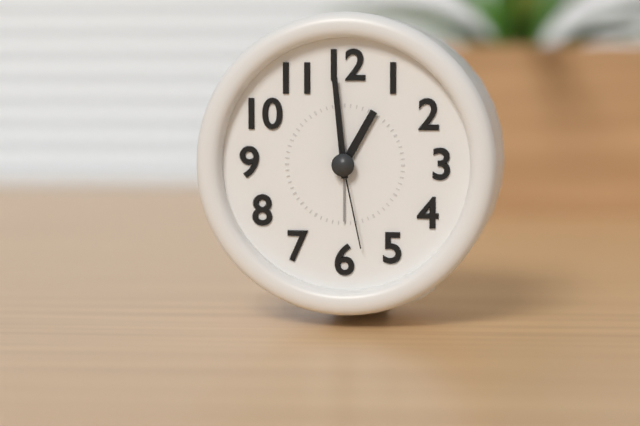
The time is 12 h 59 min 28 s
